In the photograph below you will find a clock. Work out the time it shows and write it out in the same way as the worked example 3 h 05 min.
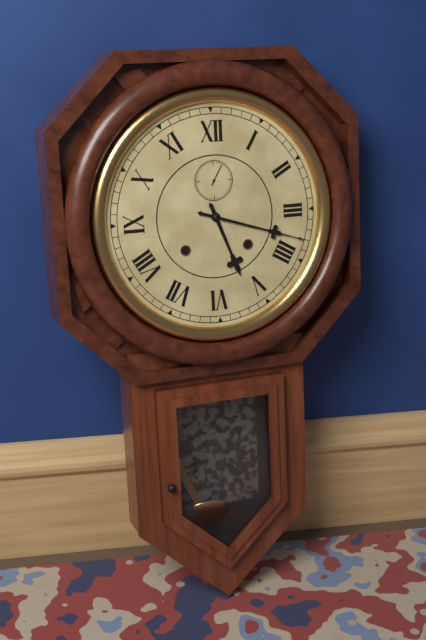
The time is 5 h 18 min
